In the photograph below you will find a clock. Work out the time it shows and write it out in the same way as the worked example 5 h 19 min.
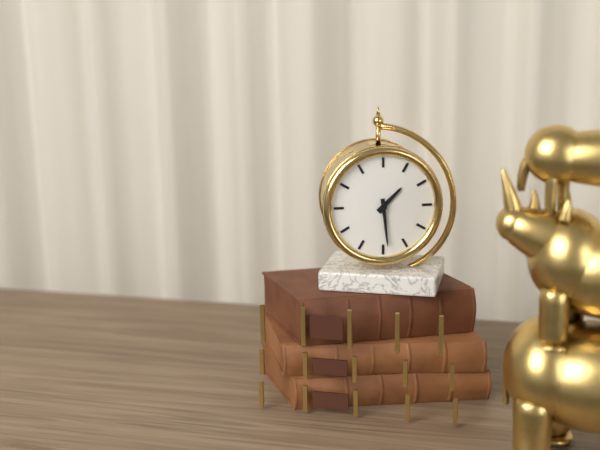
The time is 1 h 29 min
